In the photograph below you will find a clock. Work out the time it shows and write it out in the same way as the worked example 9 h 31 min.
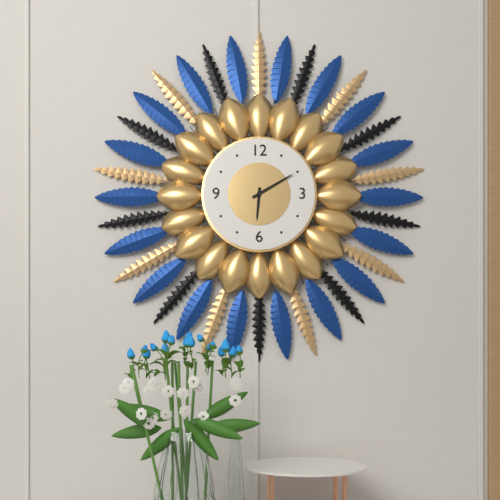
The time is 6 h 10 min
